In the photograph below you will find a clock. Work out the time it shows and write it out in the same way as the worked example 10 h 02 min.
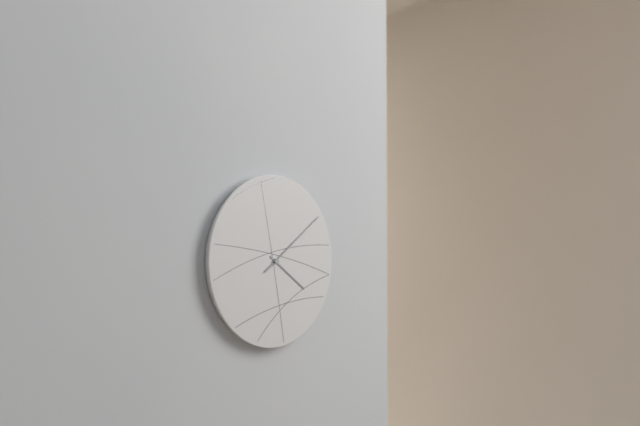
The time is 4 h 09 min
